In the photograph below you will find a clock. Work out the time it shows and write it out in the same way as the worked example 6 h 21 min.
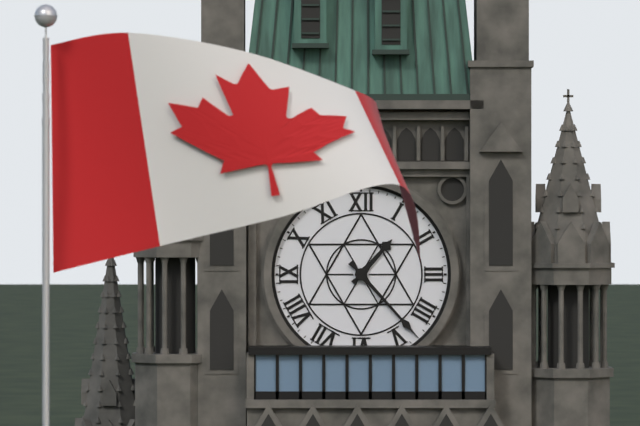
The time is 1 h 23 min
